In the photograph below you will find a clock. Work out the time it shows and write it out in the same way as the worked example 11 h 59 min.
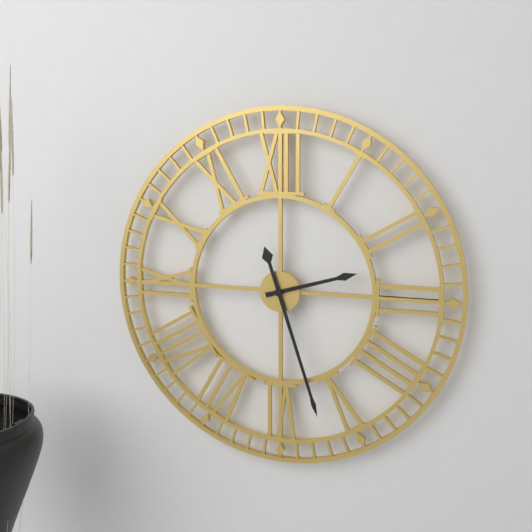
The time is 2 h 27 min
